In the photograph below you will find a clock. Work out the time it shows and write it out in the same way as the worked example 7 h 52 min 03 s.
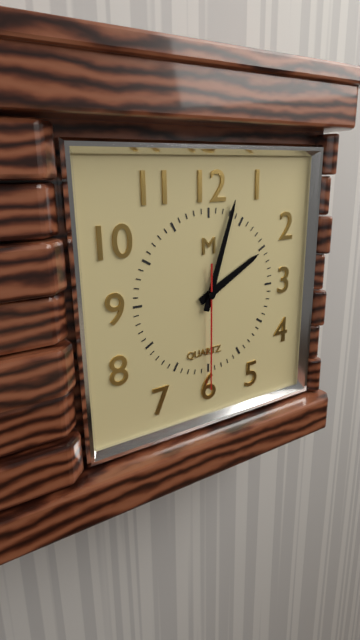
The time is 2 h 03 min 30 s
